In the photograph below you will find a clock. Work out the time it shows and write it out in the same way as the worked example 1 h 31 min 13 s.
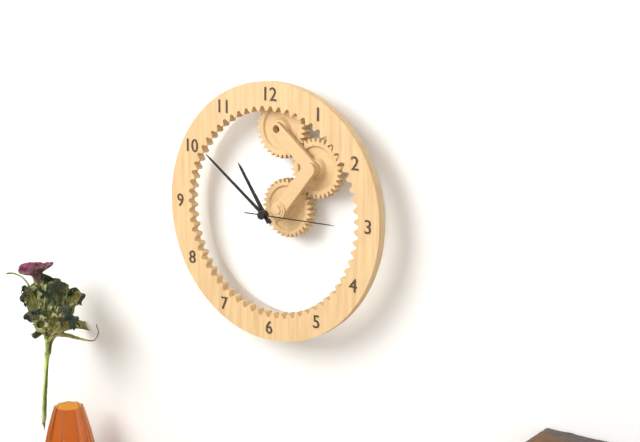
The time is 10 h 51 min 15 s
